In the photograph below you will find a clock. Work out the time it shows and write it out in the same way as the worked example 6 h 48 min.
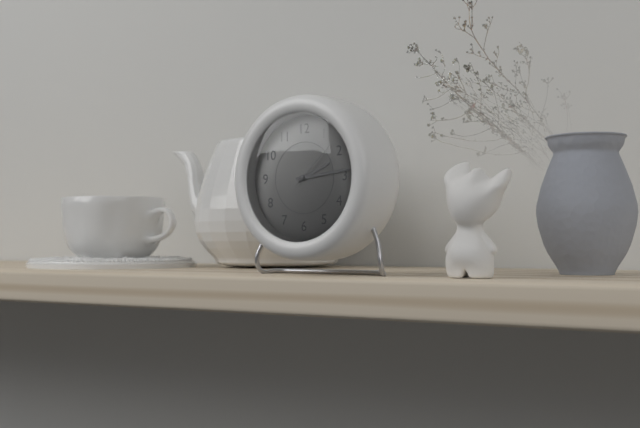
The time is 2 h 14 min
